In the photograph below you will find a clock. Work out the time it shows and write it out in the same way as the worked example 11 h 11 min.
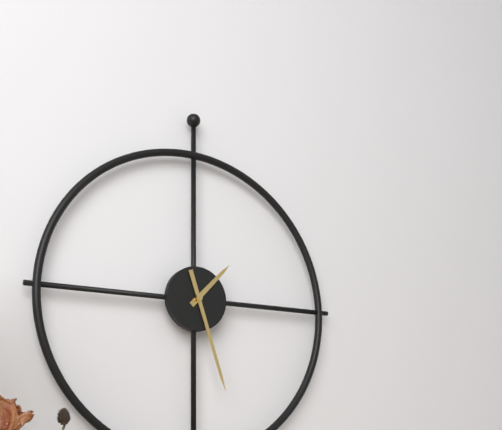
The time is 1 h 27 min
